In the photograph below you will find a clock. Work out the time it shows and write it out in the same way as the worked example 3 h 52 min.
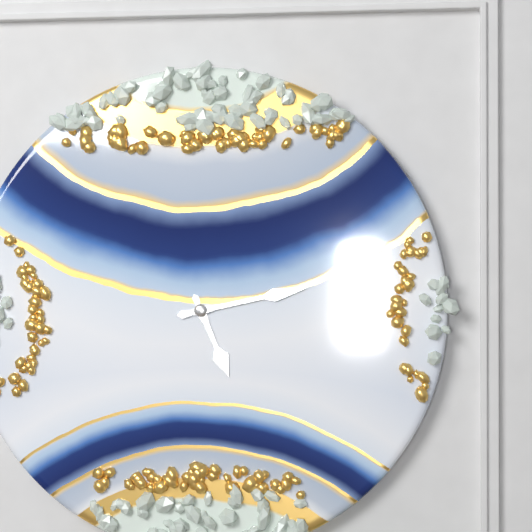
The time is 5 h 13 min
